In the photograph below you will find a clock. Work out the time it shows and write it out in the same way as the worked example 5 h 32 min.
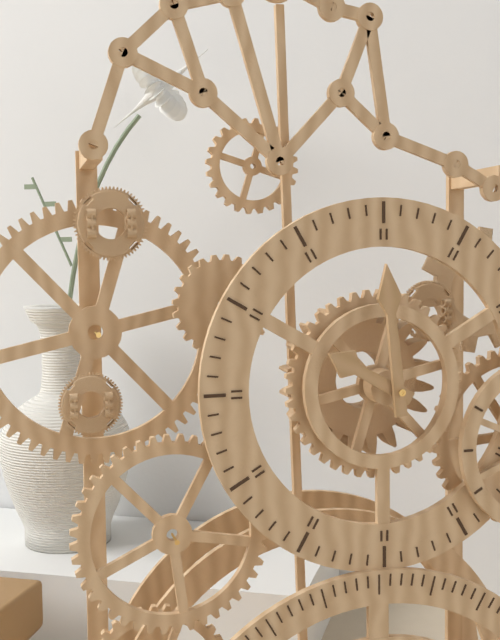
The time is 9 h 59 min
